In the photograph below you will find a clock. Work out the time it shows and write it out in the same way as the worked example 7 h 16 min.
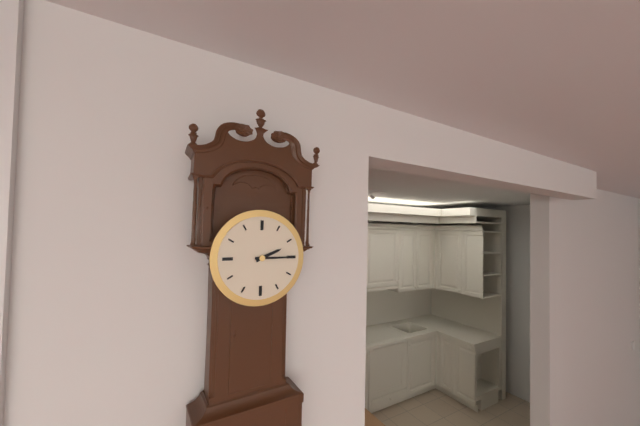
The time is 2 h 15 min
